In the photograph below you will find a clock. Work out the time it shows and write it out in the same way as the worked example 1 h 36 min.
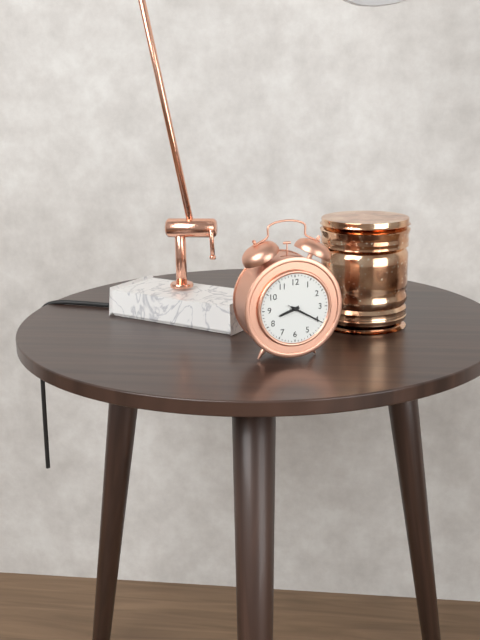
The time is 8 h 20 min
